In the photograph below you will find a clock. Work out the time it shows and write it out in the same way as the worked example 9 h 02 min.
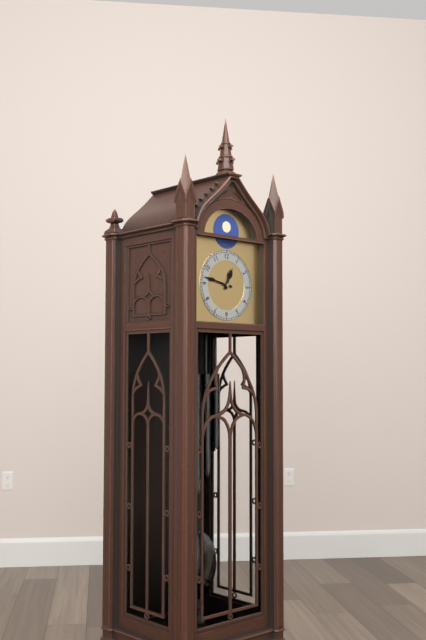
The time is 12 h 47 min
